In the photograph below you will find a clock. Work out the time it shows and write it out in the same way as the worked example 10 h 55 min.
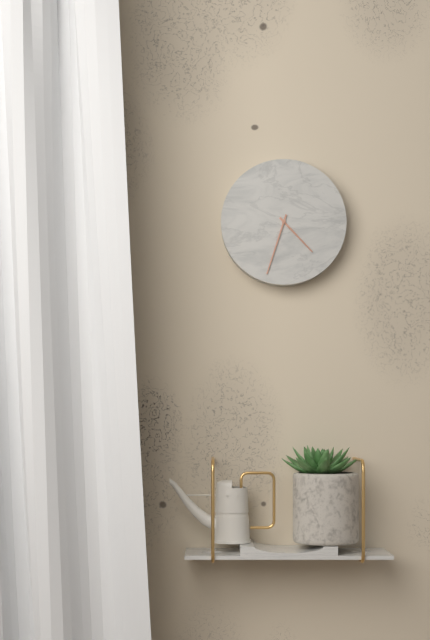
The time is 4 h 33 min
